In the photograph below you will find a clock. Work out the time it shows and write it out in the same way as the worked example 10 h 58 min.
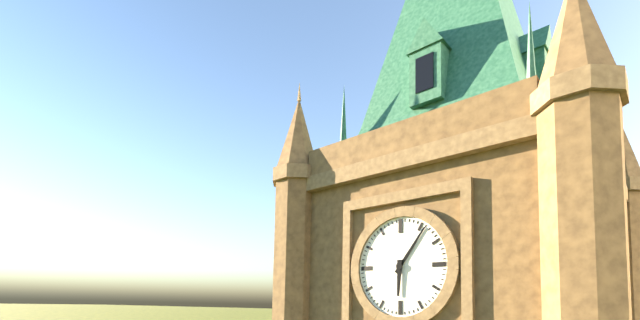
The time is 6 h 06 min
